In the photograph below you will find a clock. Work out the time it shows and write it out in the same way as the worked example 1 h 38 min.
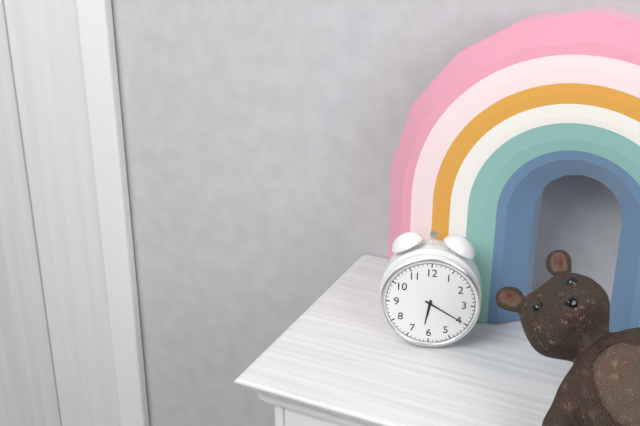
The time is 6 h 20 min
